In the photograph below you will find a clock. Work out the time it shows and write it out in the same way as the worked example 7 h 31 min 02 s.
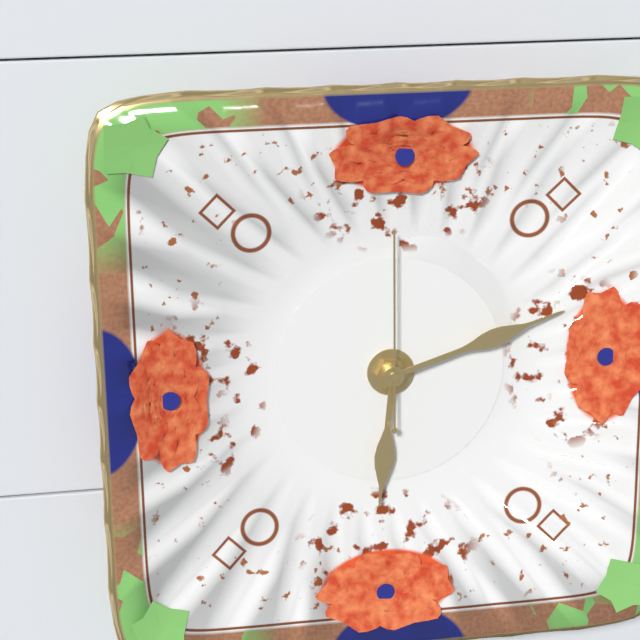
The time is 6 h 12 min 00 s
